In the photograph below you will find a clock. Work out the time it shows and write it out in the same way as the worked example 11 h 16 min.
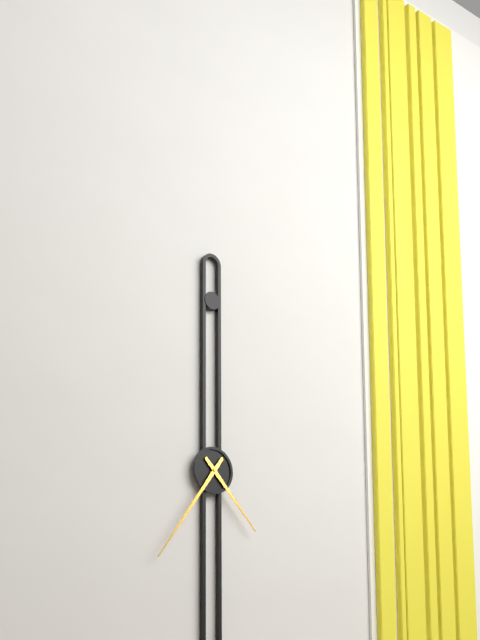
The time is 4 h 36 min
